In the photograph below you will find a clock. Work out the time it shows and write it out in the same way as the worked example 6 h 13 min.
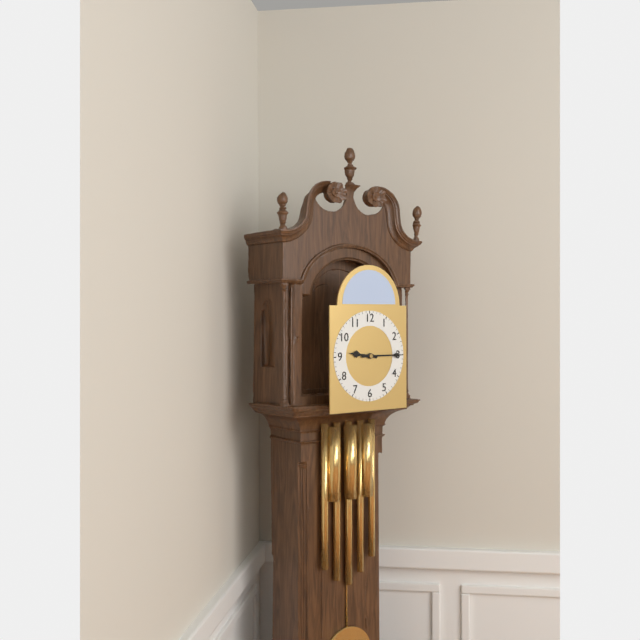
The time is 9 h 15 min
